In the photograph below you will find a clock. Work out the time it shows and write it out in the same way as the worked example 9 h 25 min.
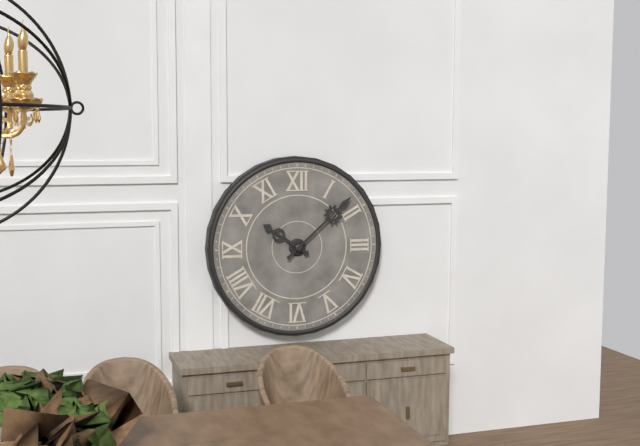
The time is 10 h 08 min
